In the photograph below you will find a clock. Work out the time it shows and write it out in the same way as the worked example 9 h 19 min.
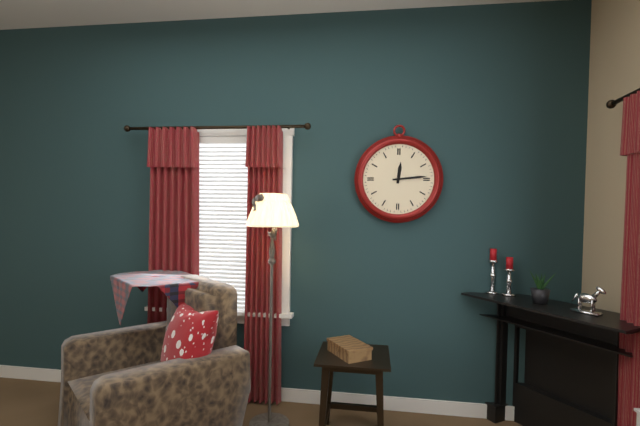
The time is 12 h 14 min
